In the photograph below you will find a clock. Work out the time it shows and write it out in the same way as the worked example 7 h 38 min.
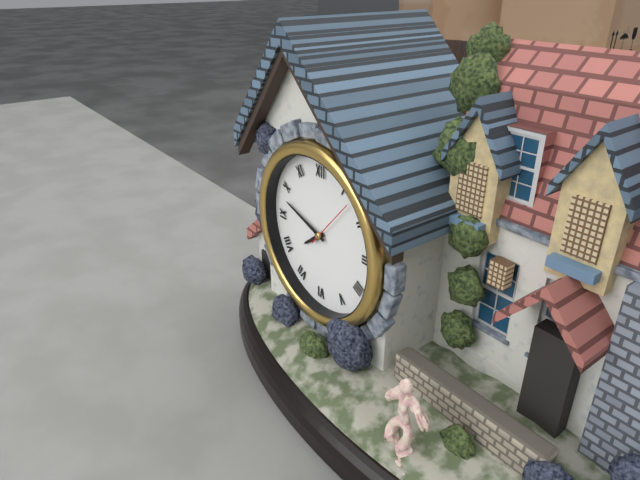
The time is 7 h 48 min
